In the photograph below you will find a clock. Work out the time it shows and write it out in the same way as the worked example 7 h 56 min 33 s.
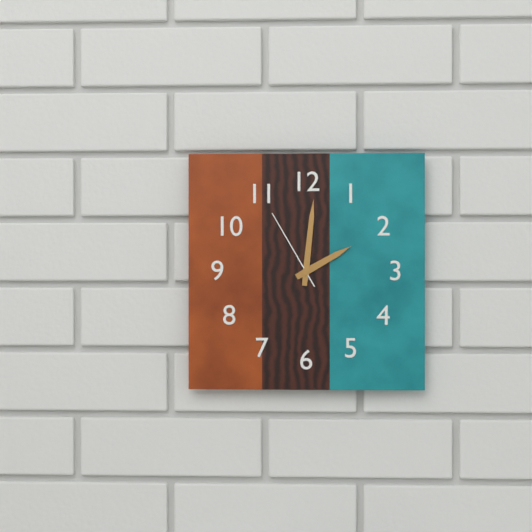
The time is 2 h 01 min 55 s
